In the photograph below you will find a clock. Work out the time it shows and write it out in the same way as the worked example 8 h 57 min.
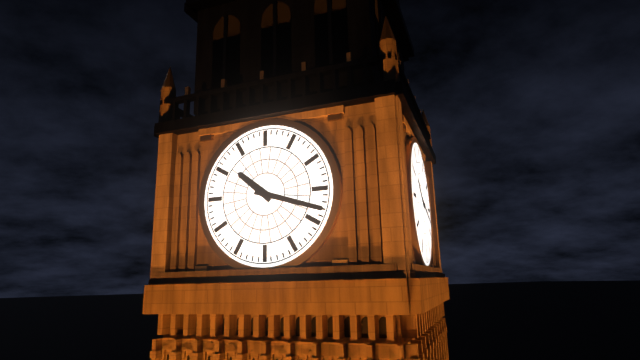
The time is 10 h 18 min
